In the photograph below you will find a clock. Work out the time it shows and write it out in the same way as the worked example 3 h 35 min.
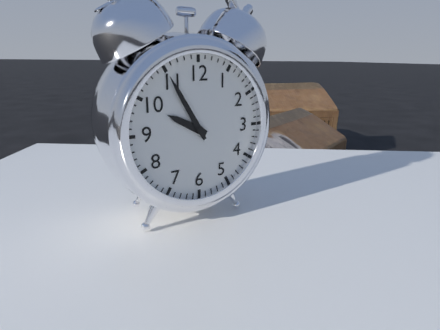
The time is 9 h 55 min
